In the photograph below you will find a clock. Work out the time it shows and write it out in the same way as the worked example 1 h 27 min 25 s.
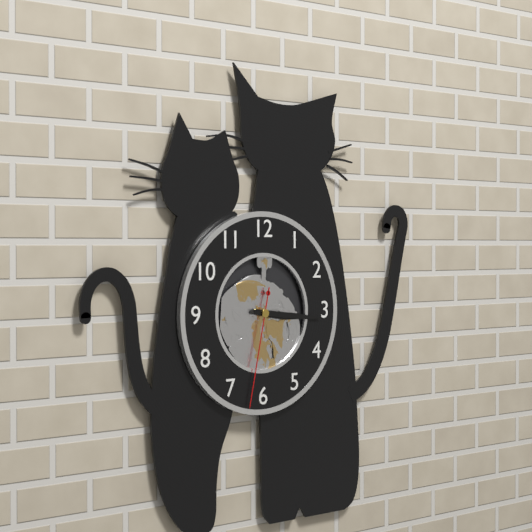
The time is 3 h 16 min 32 s
